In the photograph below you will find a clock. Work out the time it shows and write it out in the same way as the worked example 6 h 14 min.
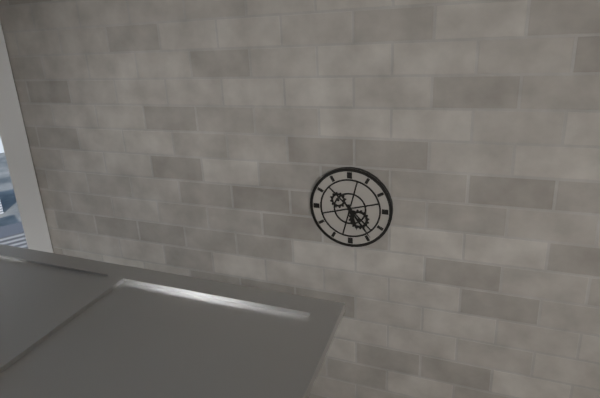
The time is 5 h 24 min
